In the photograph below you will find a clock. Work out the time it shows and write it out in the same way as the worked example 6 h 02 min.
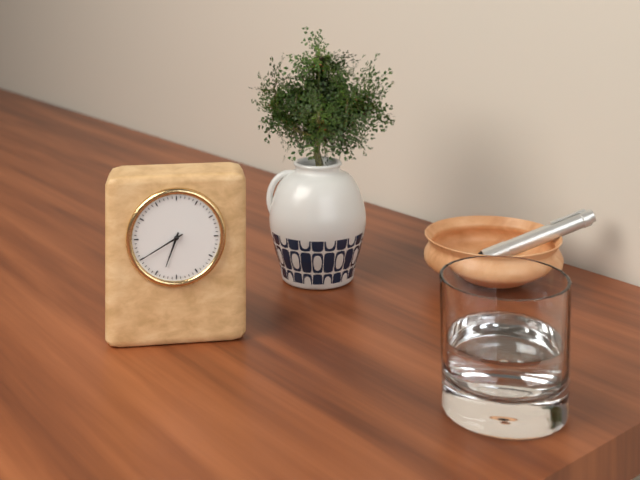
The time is 6 h 40 min
